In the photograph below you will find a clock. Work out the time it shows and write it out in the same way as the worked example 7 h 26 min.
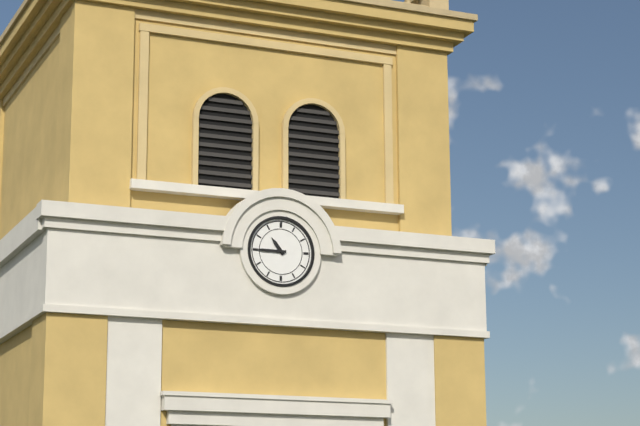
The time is 10 h 45 min
